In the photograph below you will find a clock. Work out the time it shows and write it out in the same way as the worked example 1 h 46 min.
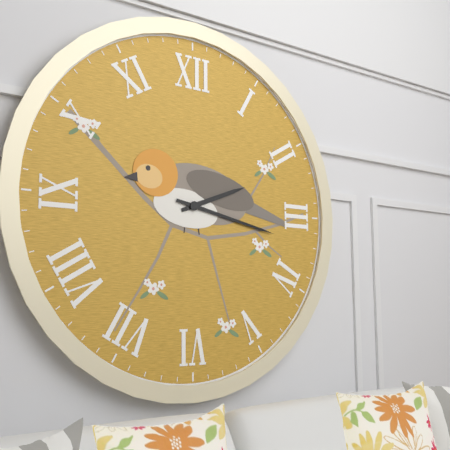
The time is 2 h 17 min
